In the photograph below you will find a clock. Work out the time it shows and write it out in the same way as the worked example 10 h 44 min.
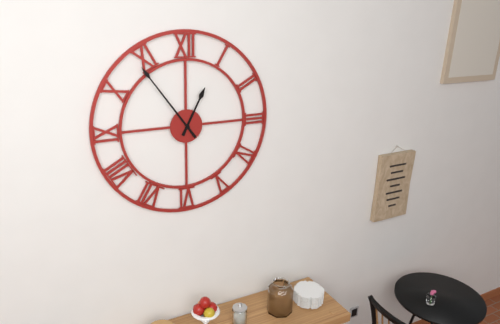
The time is 12 h 54 min
